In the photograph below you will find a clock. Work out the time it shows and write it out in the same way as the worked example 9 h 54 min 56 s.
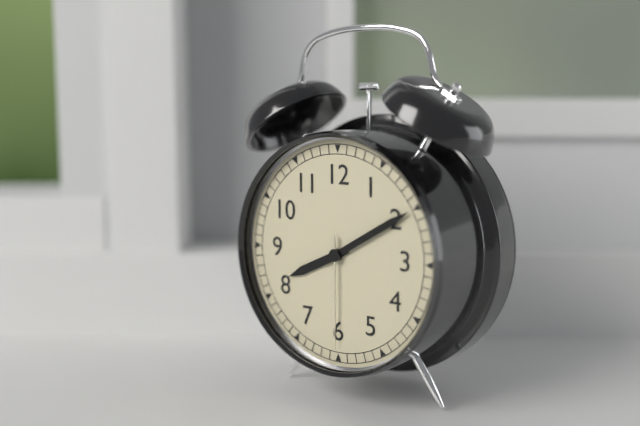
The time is 8 h 10 min 30 s
